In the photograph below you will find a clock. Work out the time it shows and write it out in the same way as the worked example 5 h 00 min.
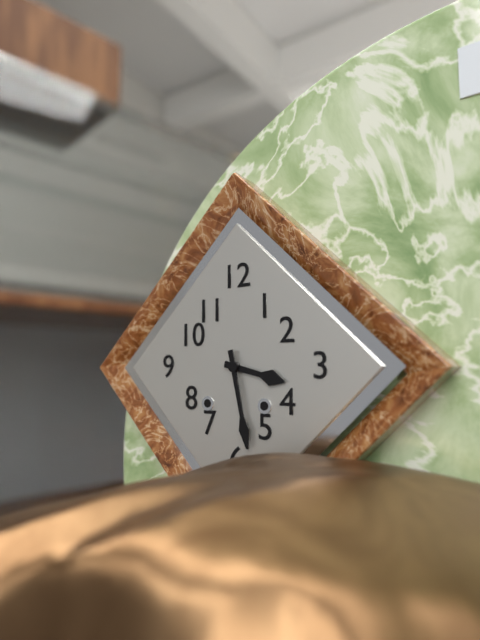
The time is 3 h 28 min
